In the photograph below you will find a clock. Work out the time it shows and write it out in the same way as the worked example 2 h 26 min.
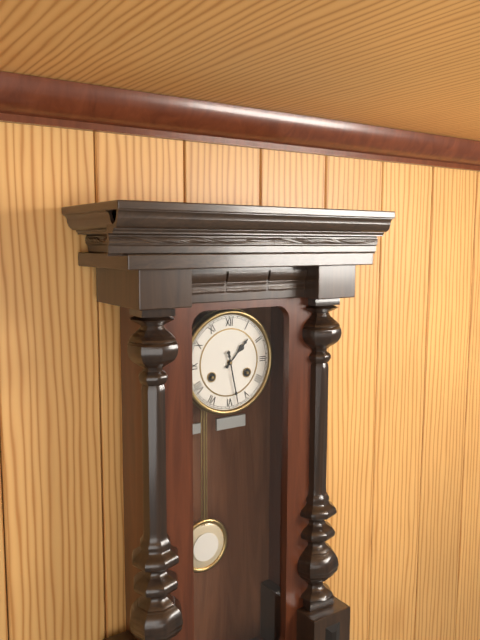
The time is 1 h 28 min
